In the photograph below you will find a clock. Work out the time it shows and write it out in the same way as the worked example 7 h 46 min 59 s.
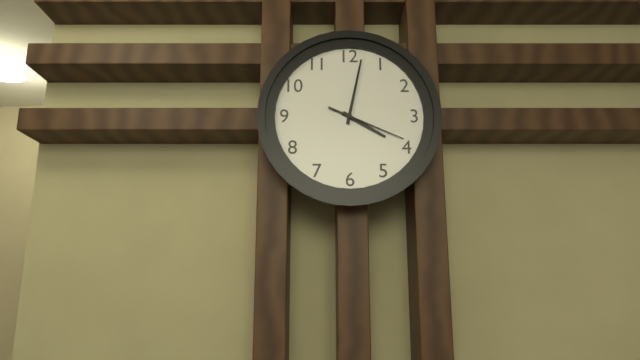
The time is 4 h 02 min 19 s
